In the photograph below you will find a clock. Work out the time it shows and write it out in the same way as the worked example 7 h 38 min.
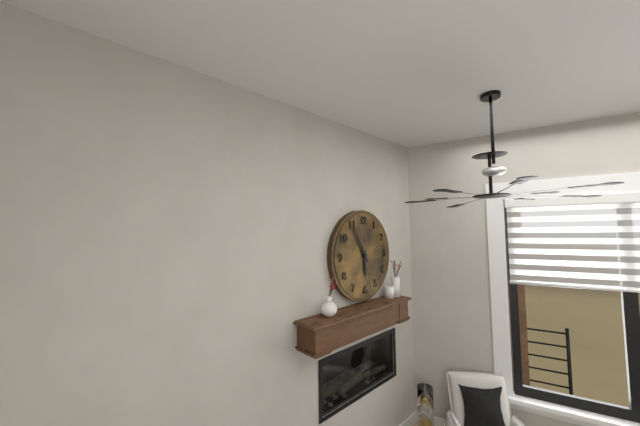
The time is 5 h 55 min
